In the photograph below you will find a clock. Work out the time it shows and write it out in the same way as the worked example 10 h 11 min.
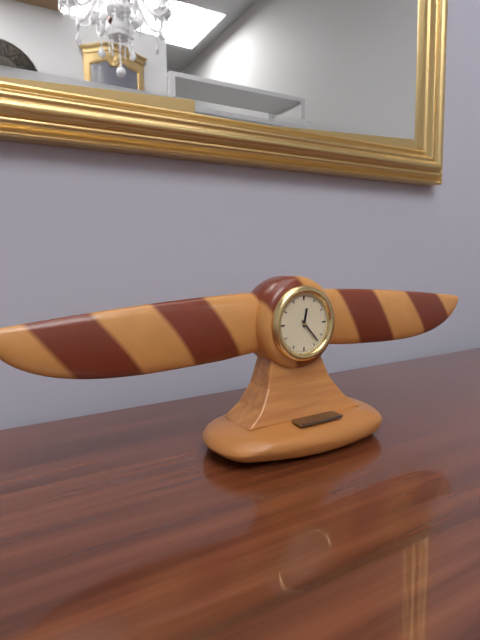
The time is 12 h 23 min
